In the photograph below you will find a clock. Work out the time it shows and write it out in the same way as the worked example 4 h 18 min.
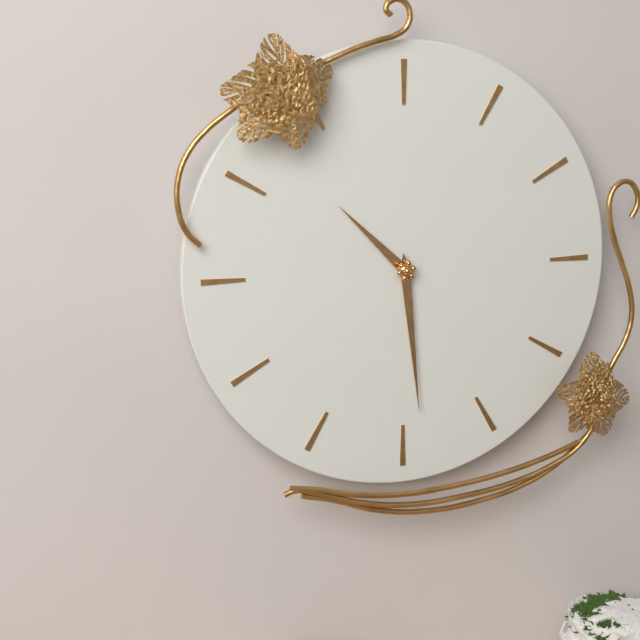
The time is 10 h 29 min
